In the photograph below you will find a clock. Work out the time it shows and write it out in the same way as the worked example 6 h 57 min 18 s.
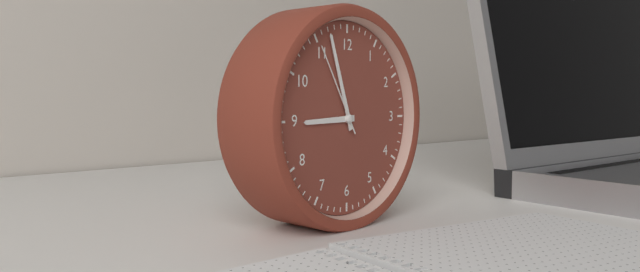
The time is 8 h 57 min 55 s
